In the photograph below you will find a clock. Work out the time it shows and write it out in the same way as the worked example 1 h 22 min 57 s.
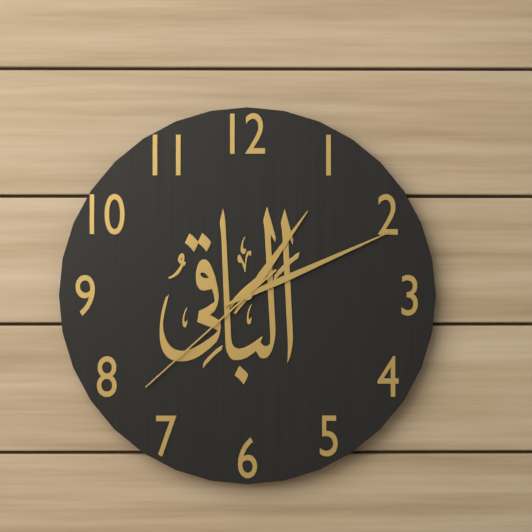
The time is 1 h 11 min 38 s
